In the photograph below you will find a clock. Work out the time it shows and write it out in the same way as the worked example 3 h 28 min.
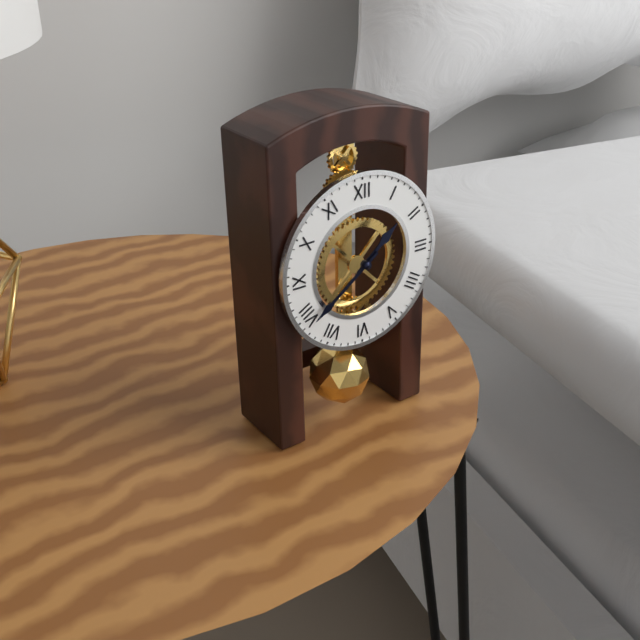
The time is 1 h 39 min
